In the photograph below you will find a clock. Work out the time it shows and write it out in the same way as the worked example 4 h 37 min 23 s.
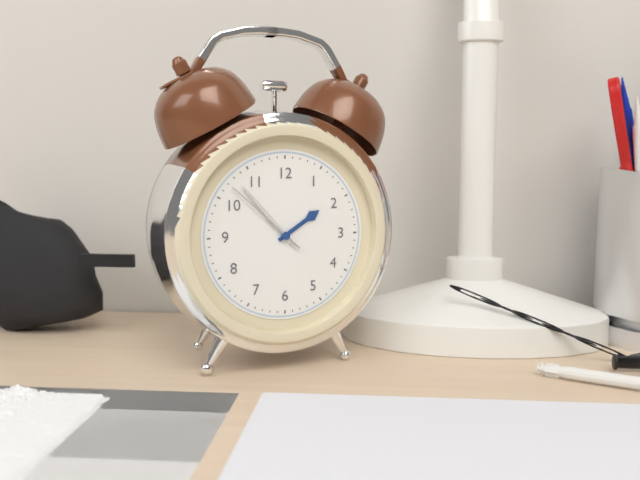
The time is 1 h 53 min 52 s
